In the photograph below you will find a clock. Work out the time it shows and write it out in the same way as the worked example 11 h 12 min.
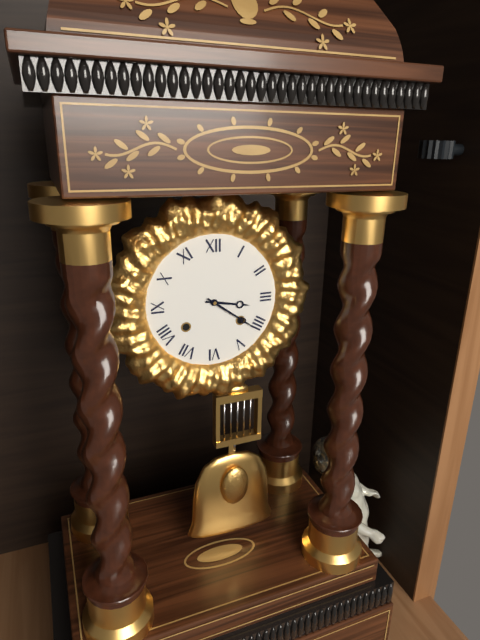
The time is 3 h 21 min
